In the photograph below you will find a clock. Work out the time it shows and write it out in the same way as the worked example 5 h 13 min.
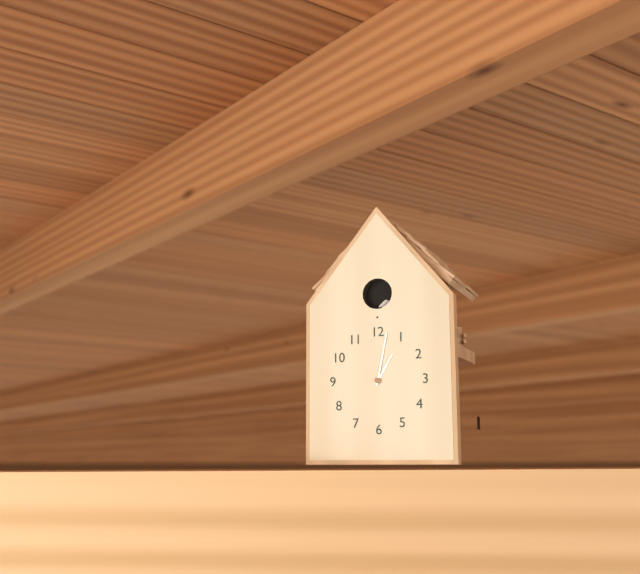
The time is 1 h 02 min
